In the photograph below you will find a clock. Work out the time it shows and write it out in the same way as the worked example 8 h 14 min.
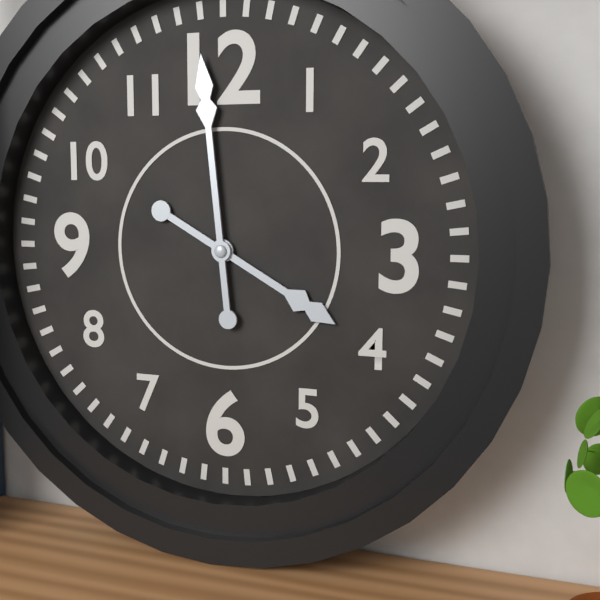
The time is 3 h 59 min
